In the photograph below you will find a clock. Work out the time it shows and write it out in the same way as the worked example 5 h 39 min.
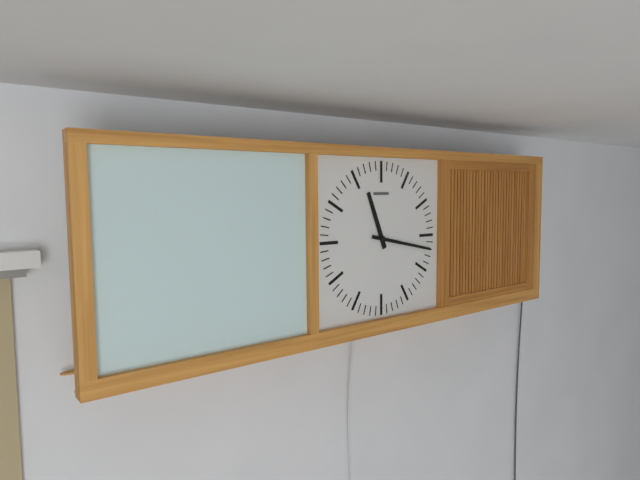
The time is 11 h 17 min
